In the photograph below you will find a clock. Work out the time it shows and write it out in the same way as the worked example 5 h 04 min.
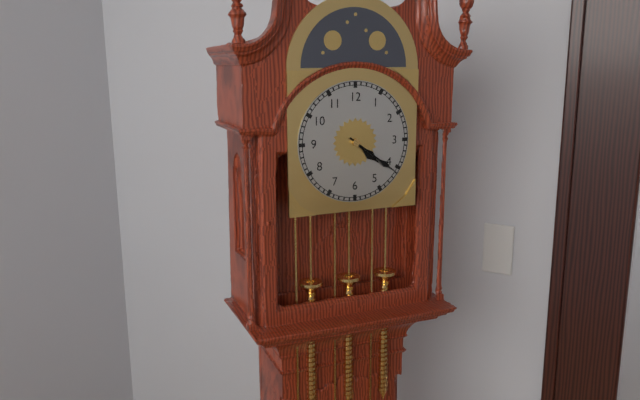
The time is 4 h 21 min
